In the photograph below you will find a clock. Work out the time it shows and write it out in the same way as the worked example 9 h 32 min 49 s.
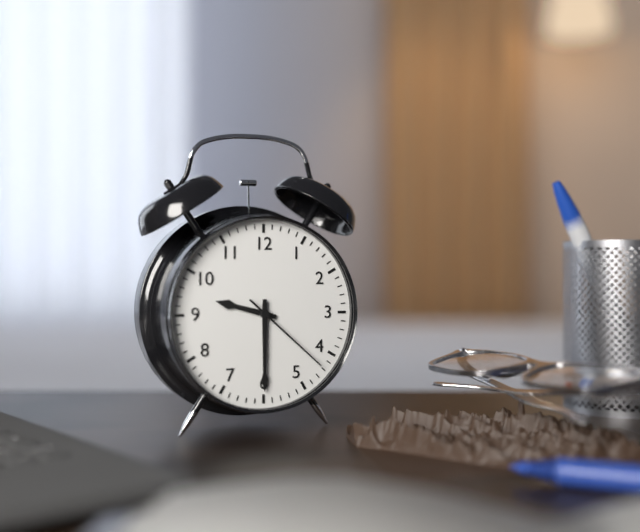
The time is 9 h 30 min 22 s
